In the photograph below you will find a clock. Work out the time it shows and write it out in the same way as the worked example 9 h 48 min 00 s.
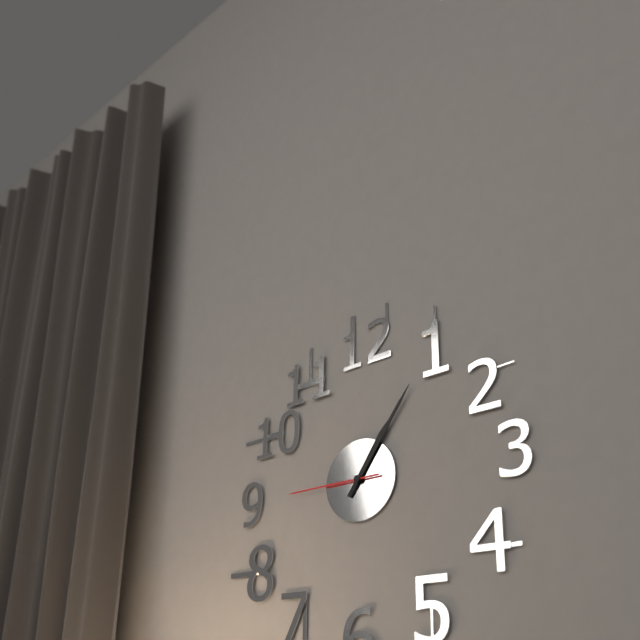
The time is 1 h 06 min 45 s
